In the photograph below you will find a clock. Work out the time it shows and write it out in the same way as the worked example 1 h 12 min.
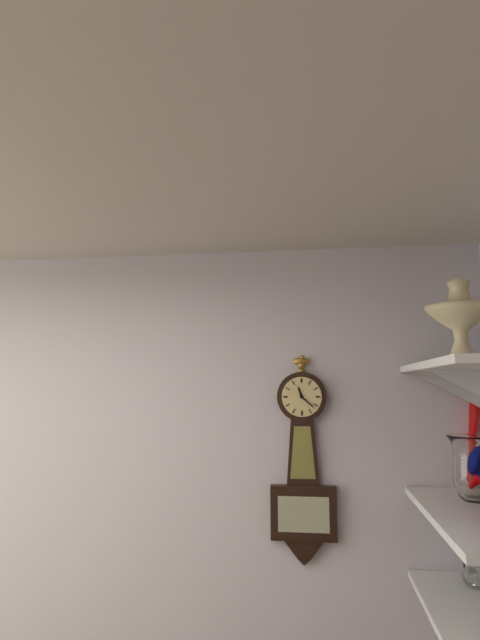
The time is 11 h 22 min
